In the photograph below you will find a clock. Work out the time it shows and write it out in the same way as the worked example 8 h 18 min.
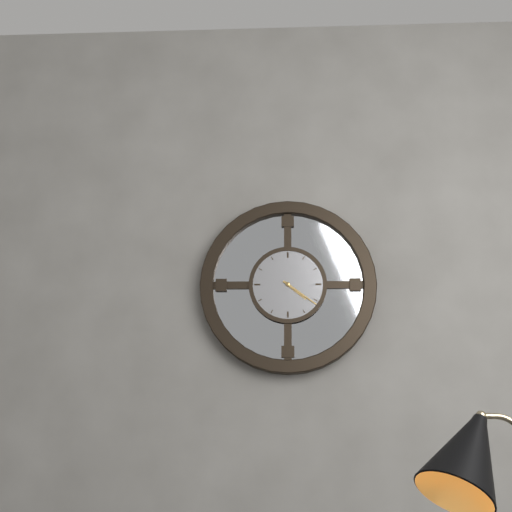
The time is 4 h 21 min
